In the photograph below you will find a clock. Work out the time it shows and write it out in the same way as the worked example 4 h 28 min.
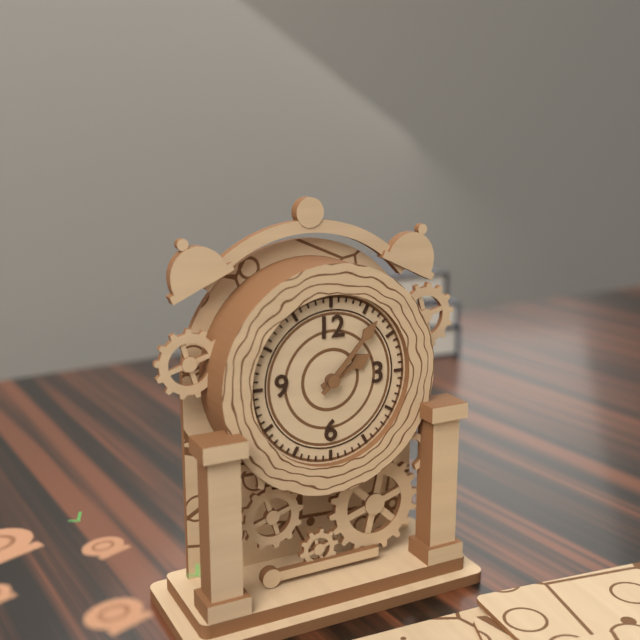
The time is 2 h 07 min
